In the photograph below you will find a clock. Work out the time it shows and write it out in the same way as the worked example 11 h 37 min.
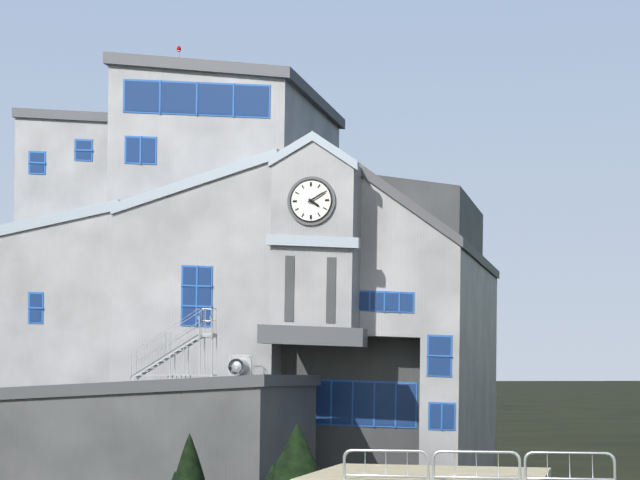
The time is 4 h 10 min
